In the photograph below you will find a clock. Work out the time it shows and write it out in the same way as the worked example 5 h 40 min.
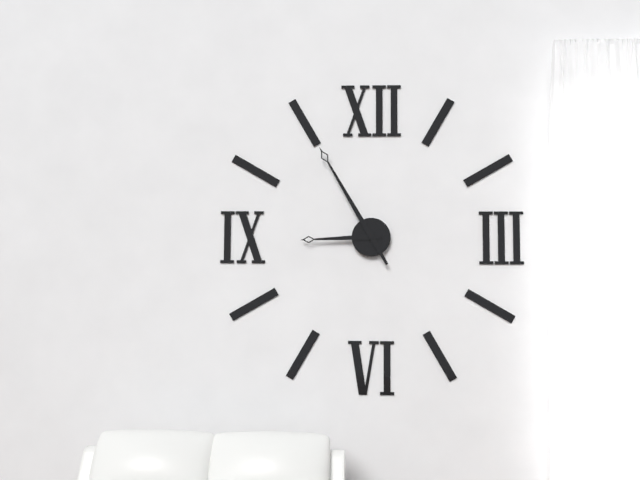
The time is 8 h 55 min
